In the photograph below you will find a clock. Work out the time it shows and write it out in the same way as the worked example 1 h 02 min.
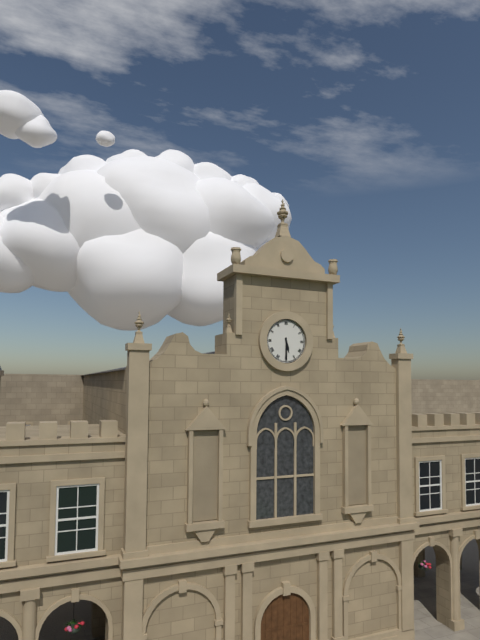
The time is 5 h 30 min
